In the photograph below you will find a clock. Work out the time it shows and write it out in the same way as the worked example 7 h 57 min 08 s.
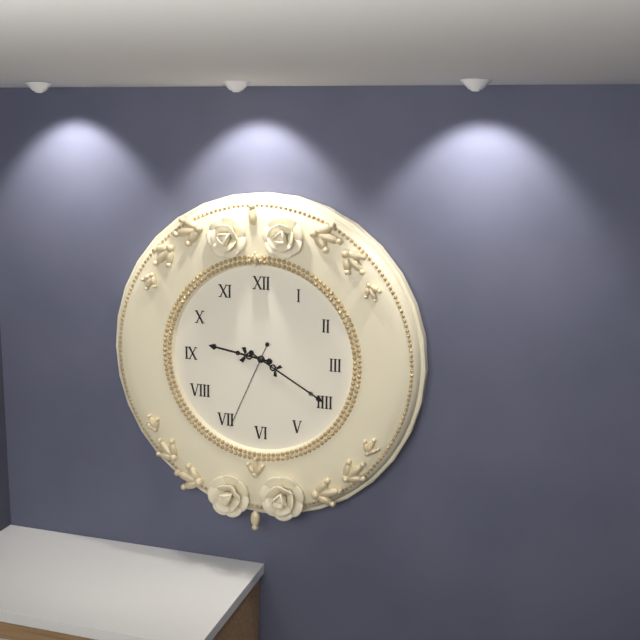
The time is 9 h 20 min 34 s
